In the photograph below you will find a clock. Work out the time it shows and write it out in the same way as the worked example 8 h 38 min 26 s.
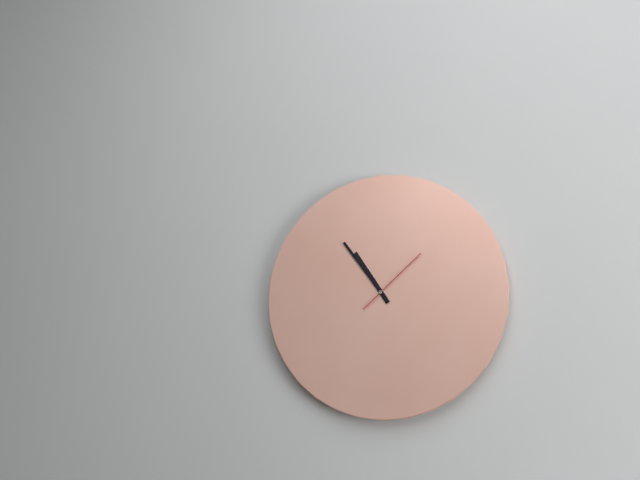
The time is 10 h 54 min 08 s
